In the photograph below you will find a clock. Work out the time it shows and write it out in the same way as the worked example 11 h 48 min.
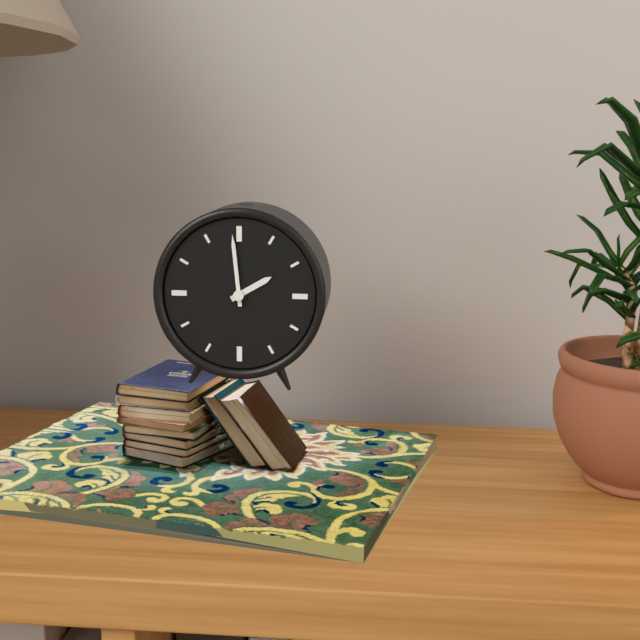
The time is 1 h 59 min
